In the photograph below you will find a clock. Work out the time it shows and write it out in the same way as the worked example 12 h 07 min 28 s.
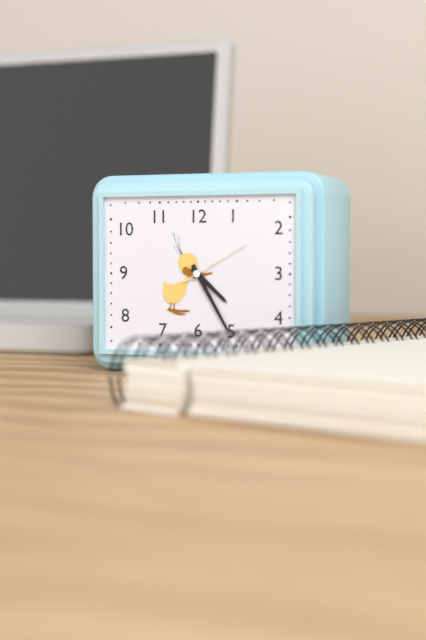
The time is 4 h 25 min 10 s
